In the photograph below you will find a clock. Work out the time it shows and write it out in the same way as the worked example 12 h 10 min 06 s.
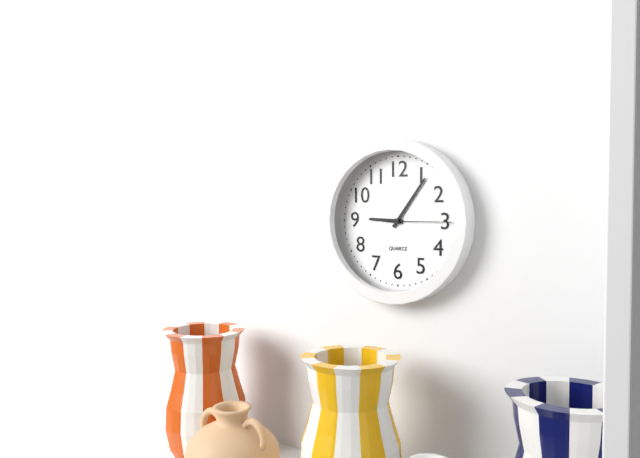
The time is 9 h 06 min 15 s
